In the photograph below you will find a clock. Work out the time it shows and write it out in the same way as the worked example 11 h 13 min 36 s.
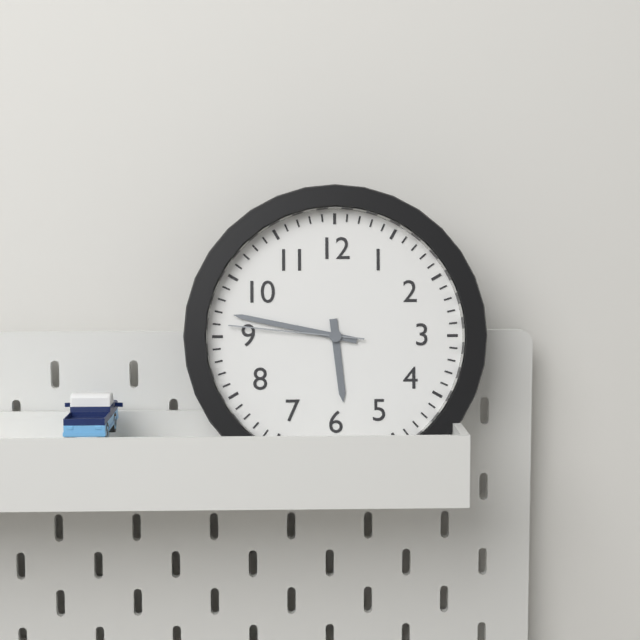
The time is 5 h 47 min 46 s
